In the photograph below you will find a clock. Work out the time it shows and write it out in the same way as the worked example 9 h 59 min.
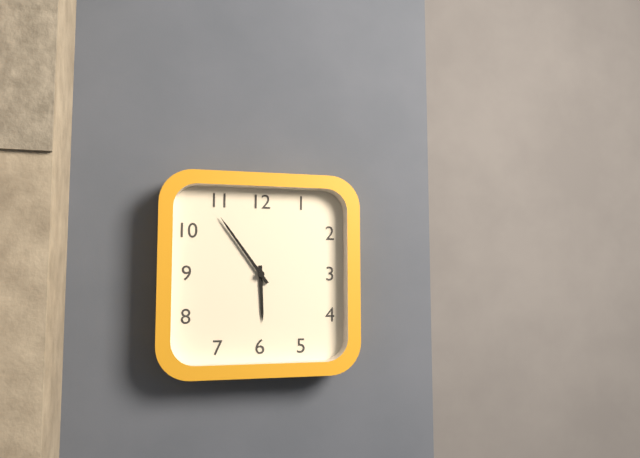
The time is 5 h 54 min
